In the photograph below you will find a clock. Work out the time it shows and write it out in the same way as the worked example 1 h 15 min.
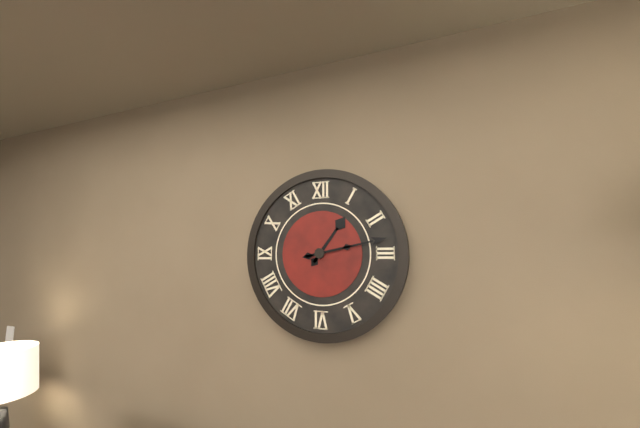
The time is 1 h 13 min
